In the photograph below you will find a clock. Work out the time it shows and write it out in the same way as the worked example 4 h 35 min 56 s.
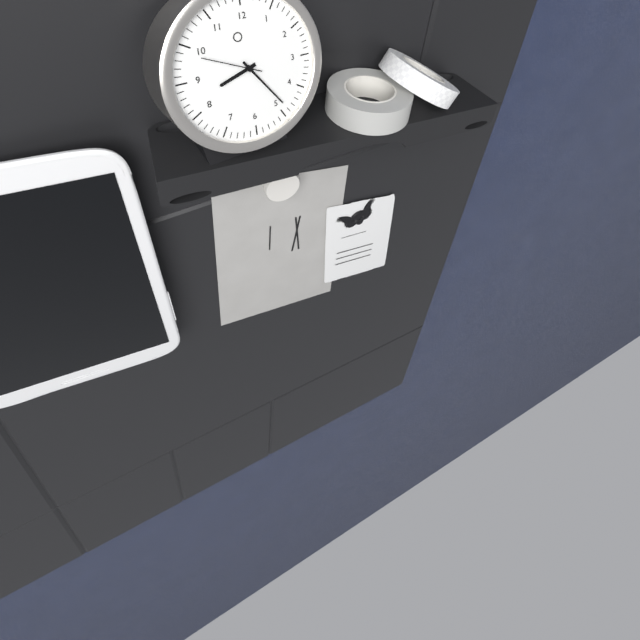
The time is 8 h 24 min 49 s
